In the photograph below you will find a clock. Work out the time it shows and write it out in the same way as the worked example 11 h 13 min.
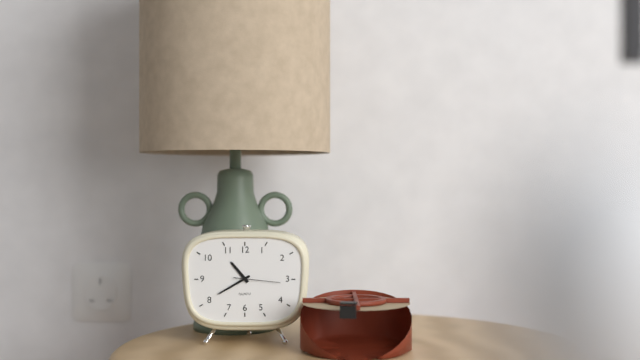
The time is 10 h 40 min
